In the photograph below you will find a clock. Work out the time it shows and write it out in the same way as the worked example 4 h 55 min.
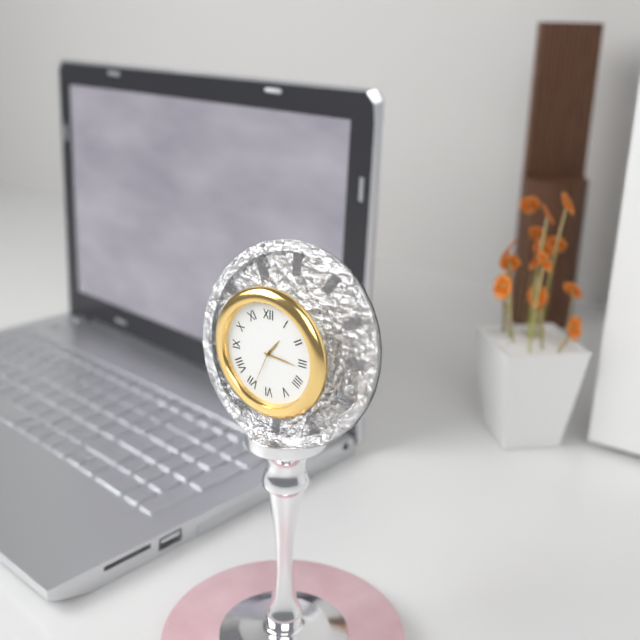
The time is 1 h 16 min
